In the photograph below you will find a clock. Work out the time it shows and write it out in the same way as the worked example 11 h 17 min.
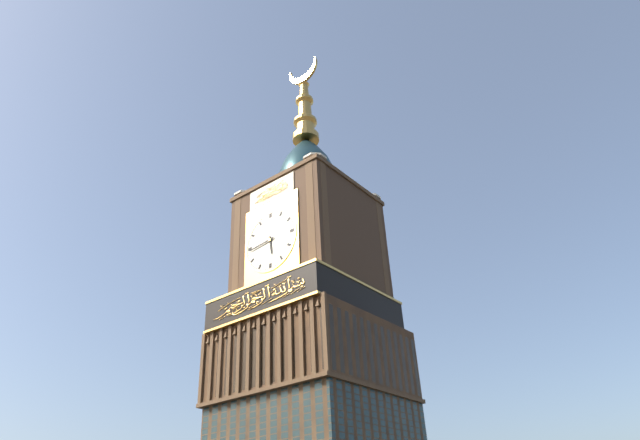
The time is 5 h 44 min
